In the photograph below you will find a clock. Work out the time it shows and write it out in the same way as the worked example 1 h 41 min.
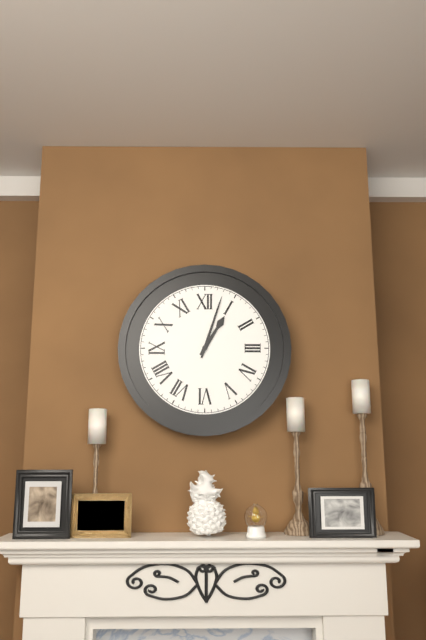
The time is 1 h 03 min
